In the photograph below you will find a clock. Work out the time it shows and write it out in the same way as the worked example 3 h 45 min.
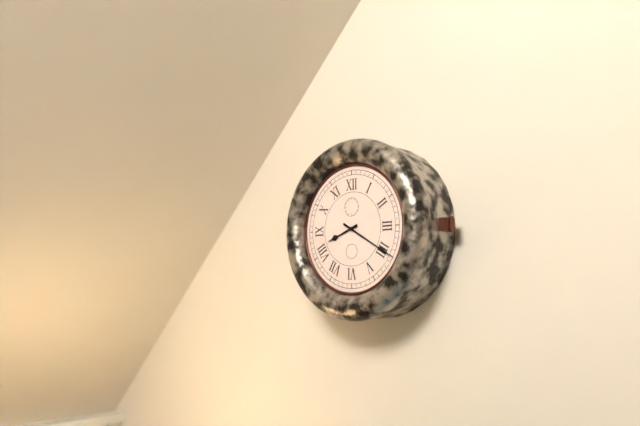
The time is 8 h 20 min
